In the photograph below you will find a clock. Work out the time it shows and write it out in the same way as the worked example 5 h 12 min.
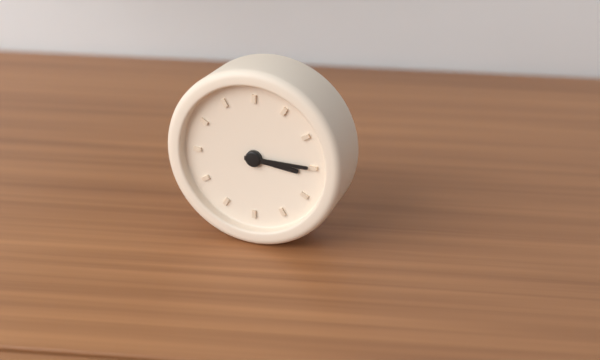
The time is 3 h 15 min
